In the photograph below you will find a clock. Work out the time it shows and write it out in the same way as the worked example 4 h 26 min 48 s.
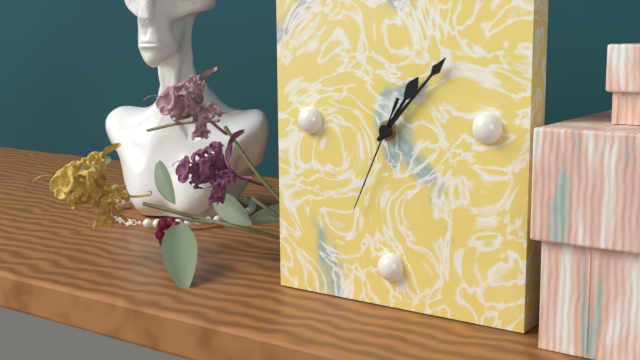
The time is 1 h 07 min 34 s
